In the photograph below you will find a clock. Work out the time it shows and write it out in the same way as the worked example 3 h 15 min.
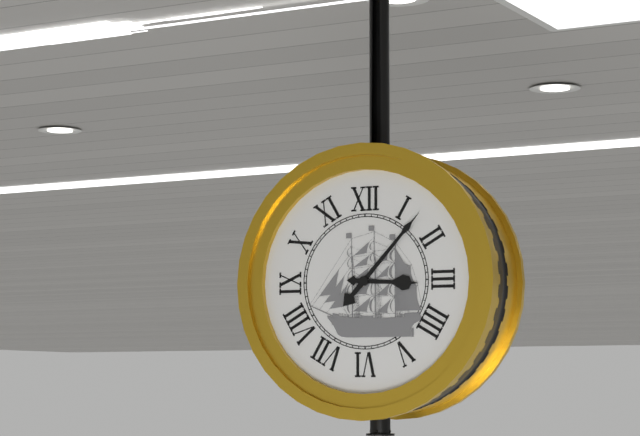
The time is 3 h 07 min
